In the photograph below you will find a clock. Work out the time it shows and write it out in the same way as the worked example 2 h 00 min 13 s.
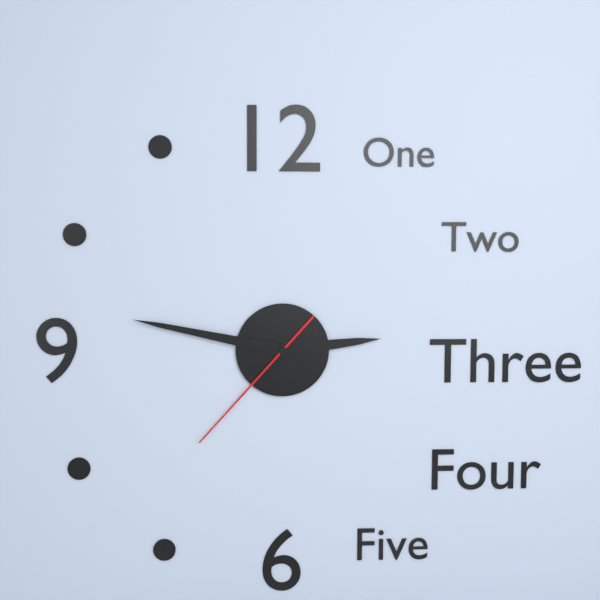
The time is 2 h 47 min 37 s
